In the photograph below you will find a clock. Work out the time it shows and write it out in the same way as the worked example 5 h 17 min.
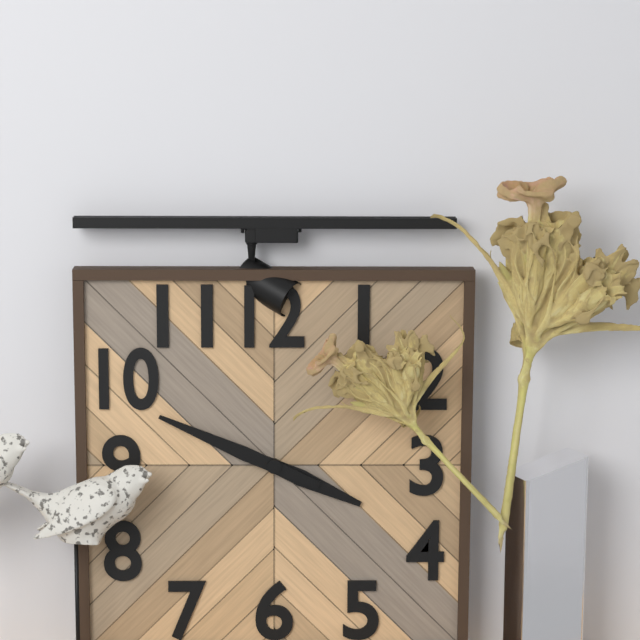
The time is 3 h 49 min
